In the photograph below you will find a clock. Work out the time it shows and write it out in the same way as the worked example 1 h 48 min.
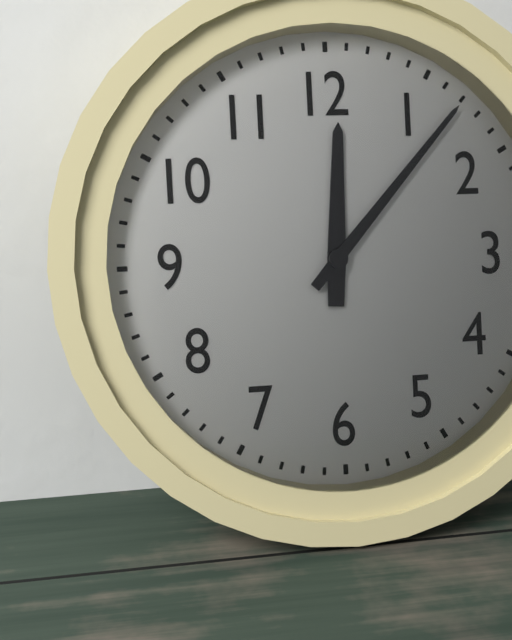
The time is 12 h 07 min
